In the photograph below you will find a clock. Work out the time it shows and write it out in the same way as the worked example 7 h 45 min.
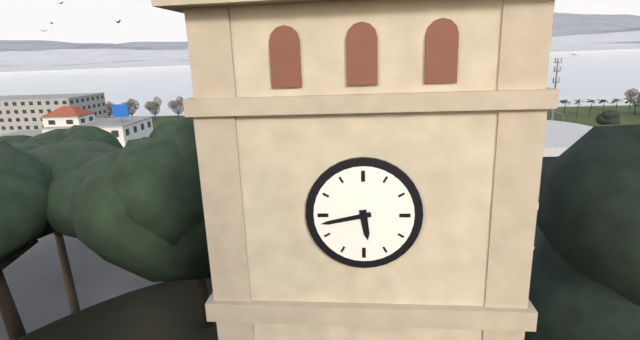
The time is 5 h 43 min
